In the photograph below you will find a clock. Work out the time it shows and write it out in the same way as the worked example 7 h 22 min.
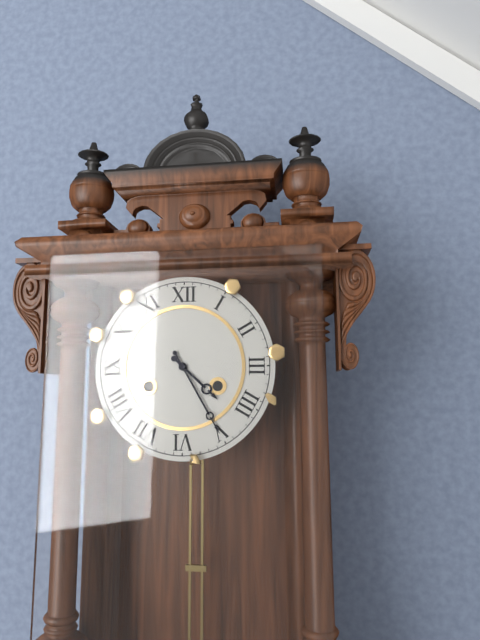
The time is 4 h 25 min
